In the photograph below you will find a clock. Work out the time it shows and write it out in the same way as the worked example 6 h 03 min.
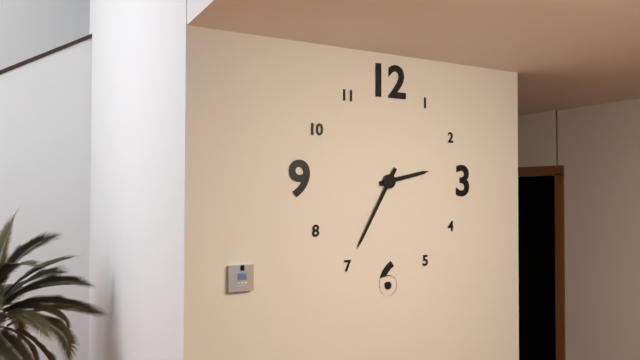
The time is 2 h 35 min
